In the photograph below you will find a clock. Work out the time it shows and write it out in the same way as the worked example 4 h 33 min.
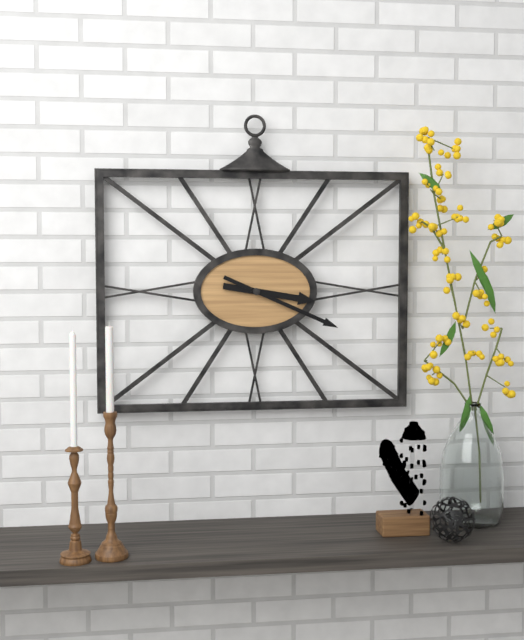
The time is 3 h 19 min
